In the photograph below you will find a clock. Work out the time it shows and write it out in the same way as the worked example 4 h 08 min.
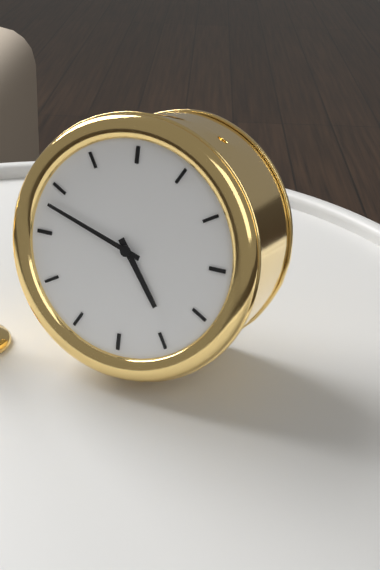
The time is 4 h 48 min
